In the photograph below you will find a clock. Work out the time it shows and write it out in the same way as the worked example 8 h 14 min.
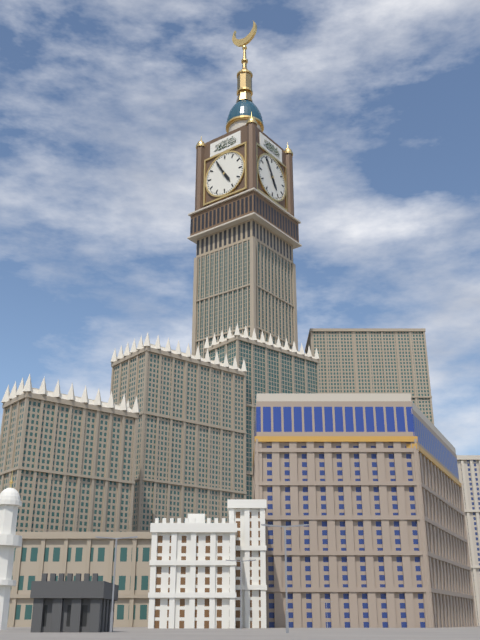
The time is 4 h 55 min
